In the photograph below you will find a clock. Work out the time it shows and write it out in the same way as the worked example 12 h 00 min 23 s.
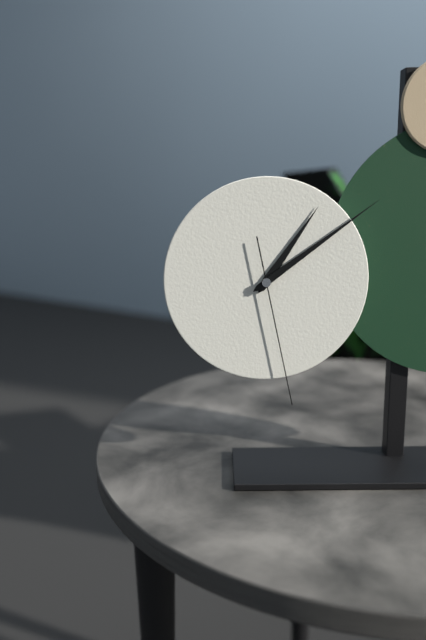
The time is 1 h 09 min 28 s
